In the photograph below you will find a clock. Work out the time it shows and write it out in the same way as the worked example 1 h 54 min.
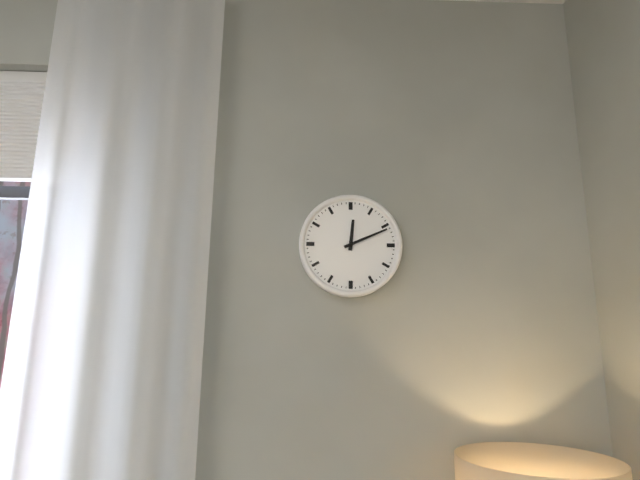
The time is 12 h 11 min
